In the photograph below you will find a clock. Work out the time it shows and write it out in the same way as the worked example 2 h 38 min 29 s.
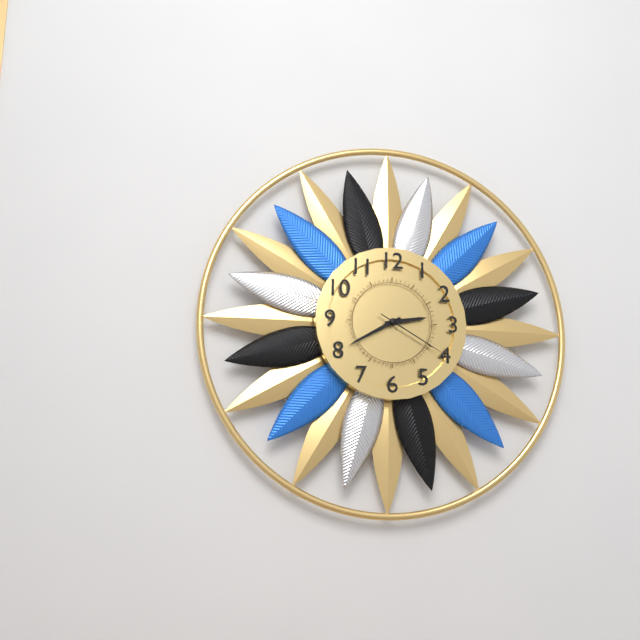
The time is 2 h 40 min 20 s
